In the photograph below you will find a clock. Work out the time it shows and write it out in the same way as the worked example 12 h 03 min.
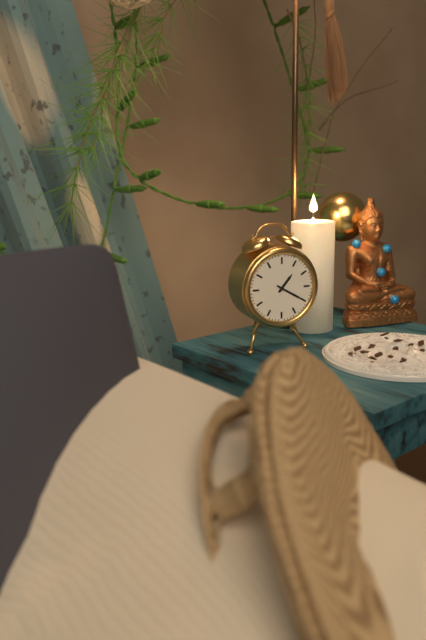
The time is 1 h 20 min
